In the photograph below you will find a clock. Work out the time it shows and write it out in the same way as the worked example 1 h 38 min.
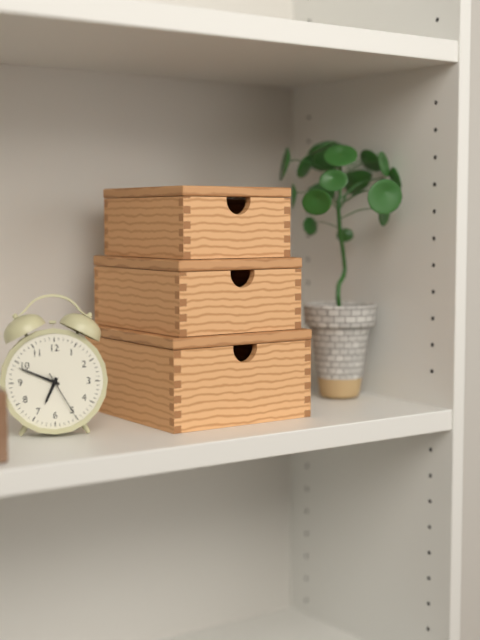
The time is 6 h 49 min
